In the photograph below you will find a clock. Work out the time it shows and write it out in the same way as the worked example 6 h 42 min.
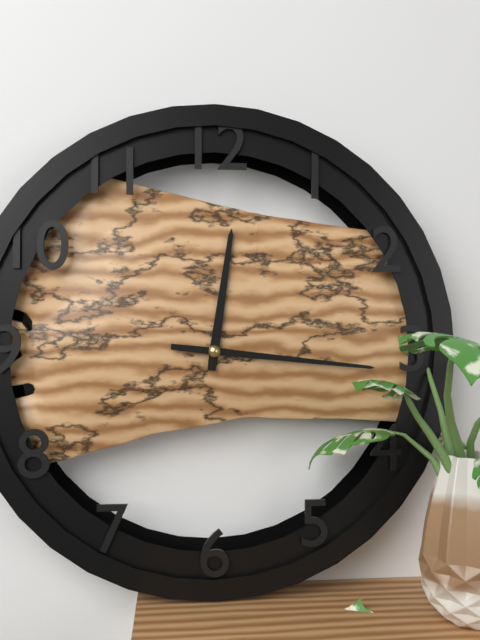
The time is 12 h 16 min
